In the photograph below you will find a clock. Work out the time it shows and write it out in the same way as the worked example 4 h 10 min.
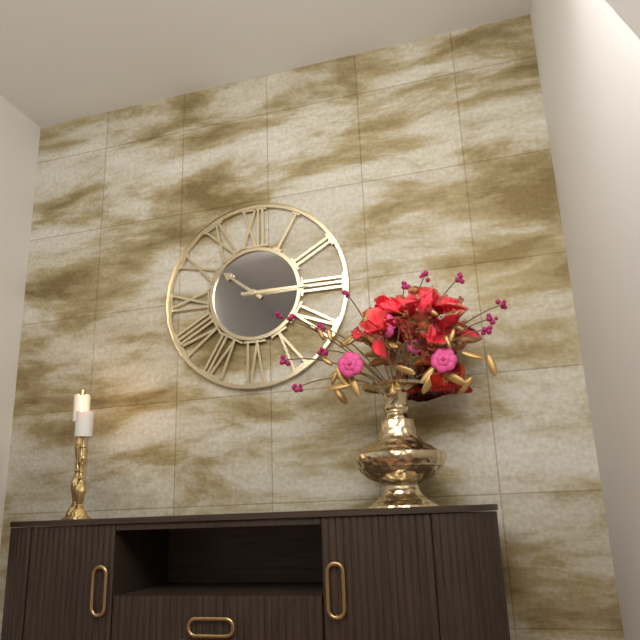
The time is 10 h 15 min
